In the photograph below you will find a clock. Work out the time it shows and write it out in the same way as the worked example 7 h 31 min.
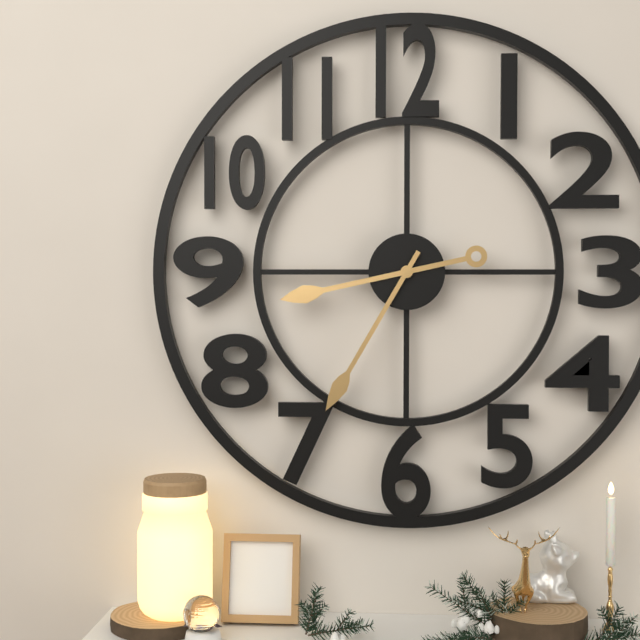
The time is 8 h 35 min
